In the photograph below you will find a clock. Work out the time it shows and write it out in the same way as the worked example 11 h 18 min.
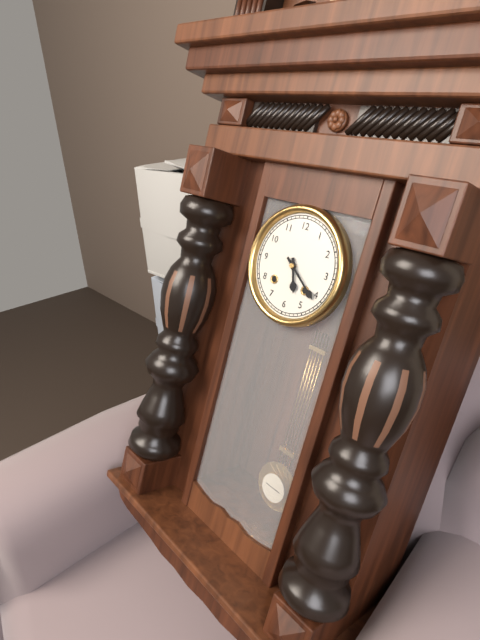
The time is 5 h 21 min
